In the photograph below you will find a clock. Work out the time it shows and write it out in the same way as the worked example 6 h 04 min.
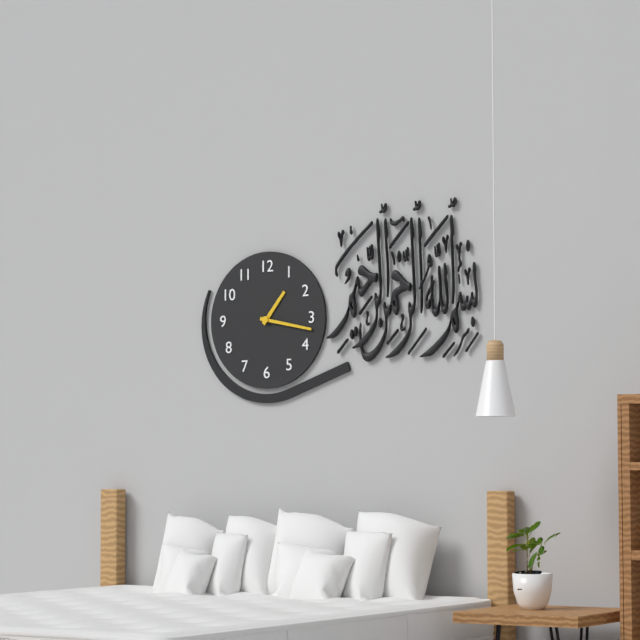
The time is 1 h 17 min
